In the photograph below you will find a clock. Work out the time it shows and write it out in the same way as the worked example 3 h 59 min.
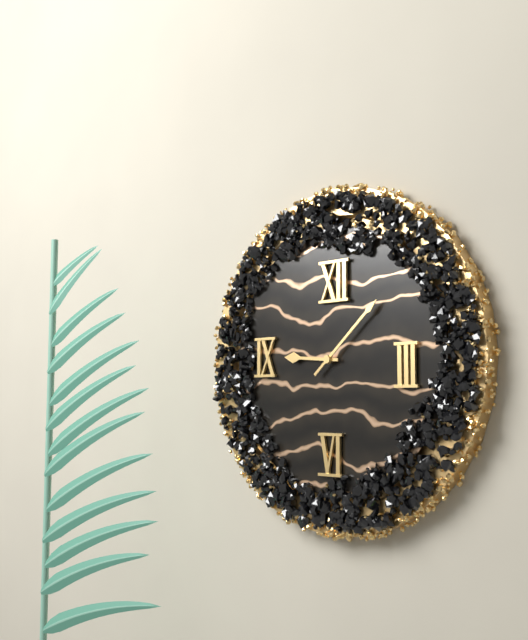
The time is 9 h 08 min
